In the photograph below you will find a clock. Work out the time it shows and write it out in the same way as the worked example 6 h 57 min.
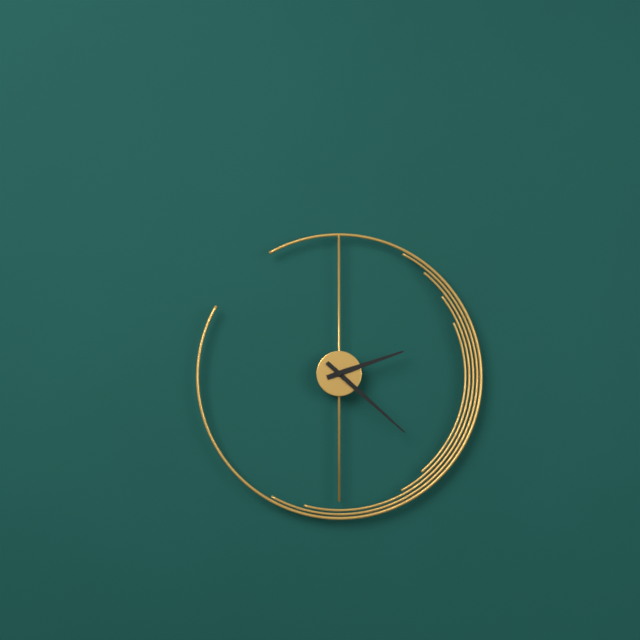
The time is 2 h 22 min
